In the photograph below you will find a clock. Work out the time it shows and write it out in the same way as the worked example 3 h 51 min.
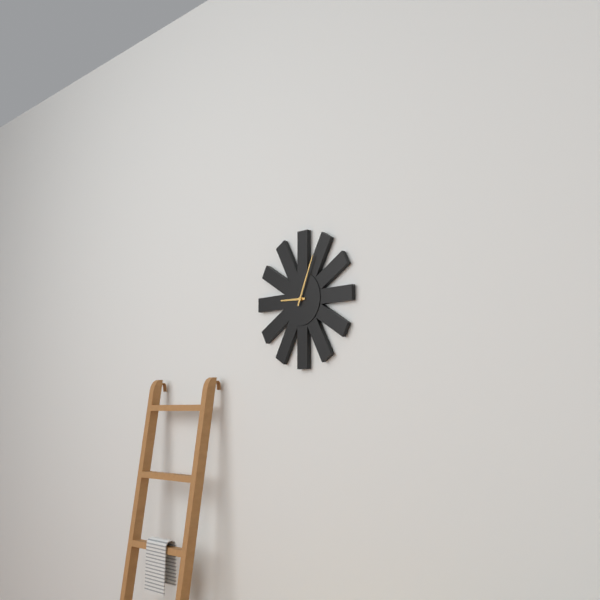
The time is 9 h 04 min
